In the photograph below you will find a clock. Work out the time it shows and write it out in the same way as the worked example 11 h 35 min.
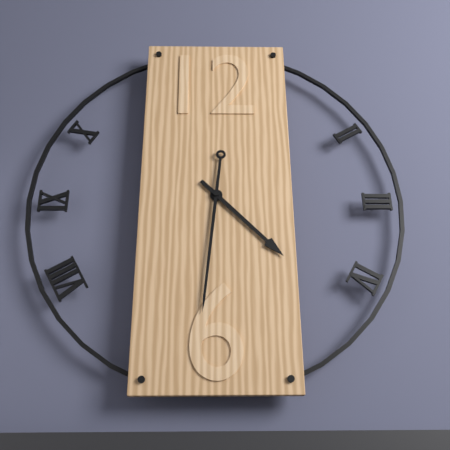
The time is 4 h 31 min
